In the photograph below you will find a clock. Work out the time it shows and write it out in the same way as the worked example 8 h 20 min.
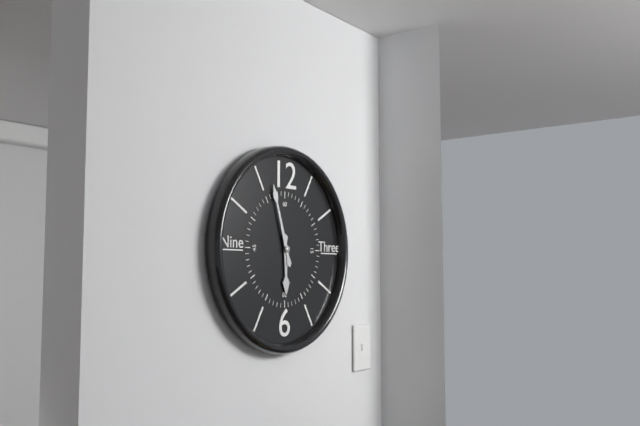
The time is 5 h 57 min
